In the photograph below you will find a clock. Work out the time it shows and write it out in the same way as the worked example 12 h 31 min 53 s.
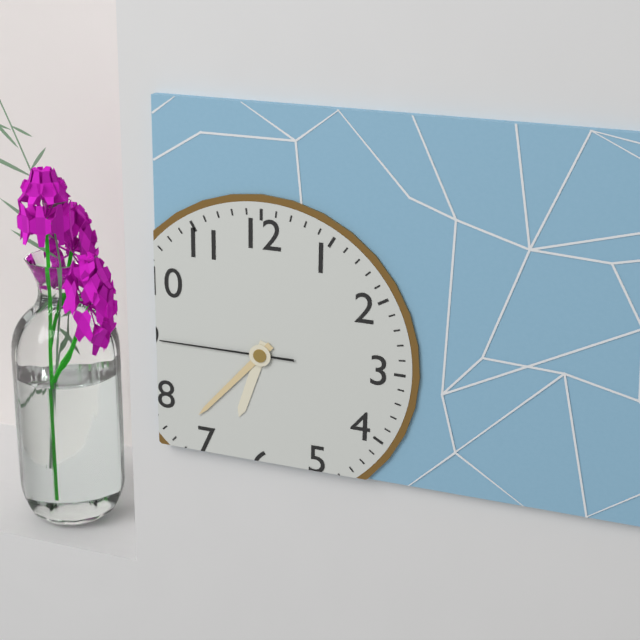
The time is 6 h 37 min 45 s
